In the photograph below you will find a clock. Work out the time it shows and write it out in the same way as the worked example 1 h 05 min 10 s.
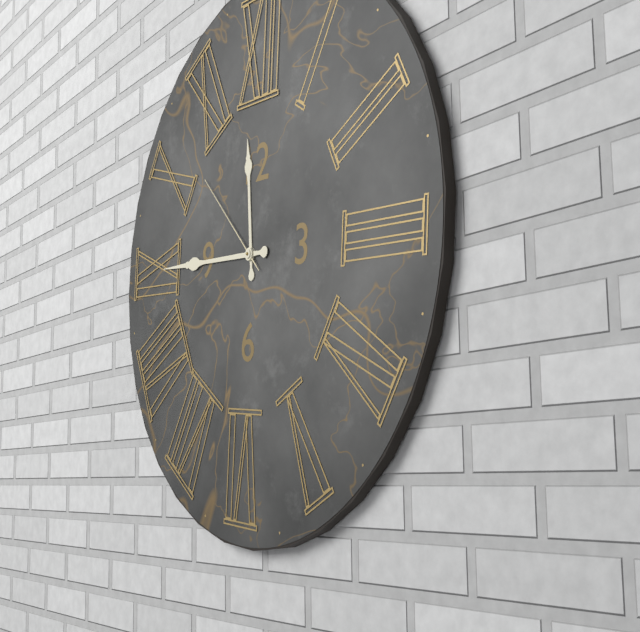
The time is 11 h 45 min 52 s
